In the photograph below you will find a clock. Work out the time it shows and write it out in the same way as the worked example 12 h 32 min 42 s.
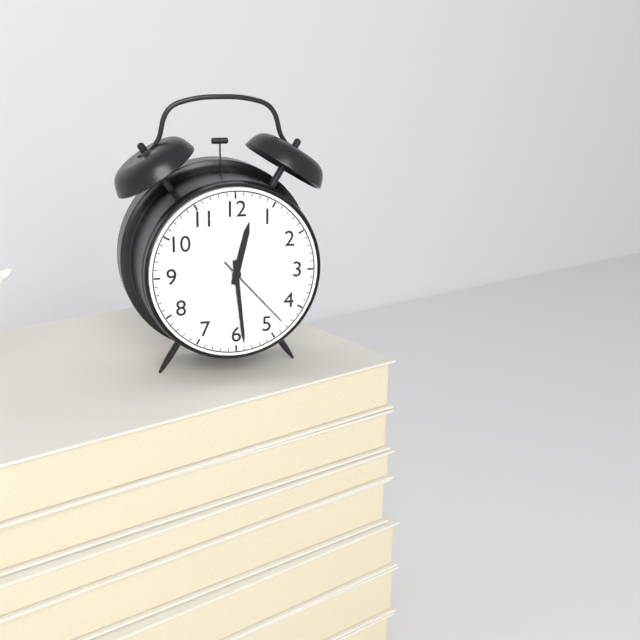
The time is 12 h 29 min 23 s
